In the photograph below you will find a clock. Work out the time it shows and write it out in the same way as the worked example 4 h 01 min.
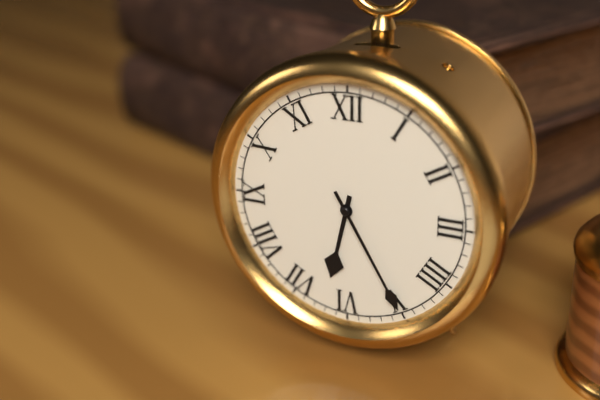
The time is 6 h 25 min
